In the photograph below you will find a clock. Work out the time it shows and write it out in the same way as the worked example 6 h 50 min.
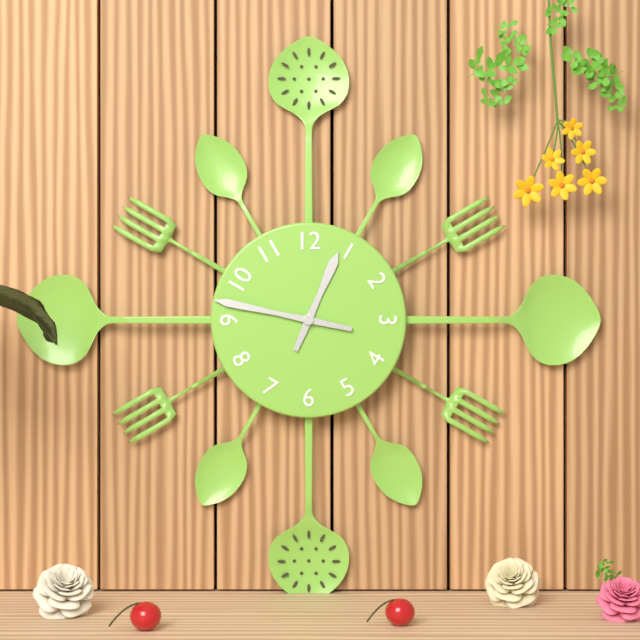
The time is 12 h 47 min
